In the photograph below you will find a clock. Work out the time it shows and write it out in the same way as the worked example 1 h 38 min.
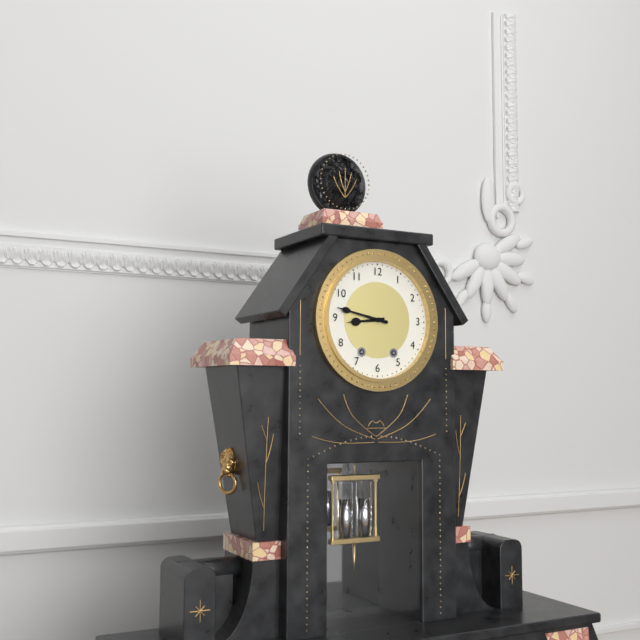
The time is 8 h 47 min
